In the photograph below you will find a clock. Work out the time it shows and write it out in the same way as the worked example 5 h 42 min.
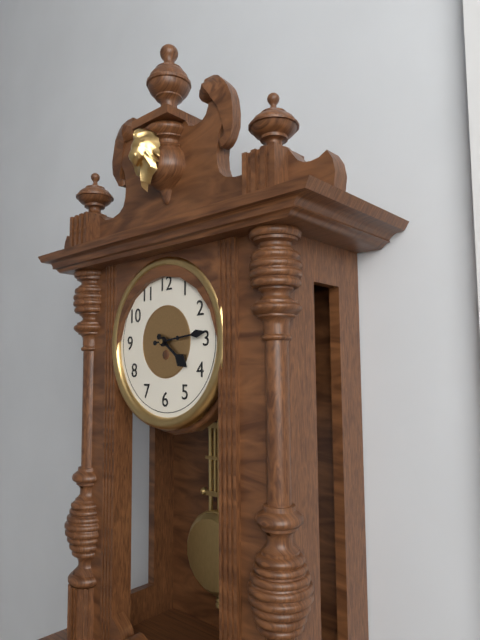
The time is 4 h 14 min
